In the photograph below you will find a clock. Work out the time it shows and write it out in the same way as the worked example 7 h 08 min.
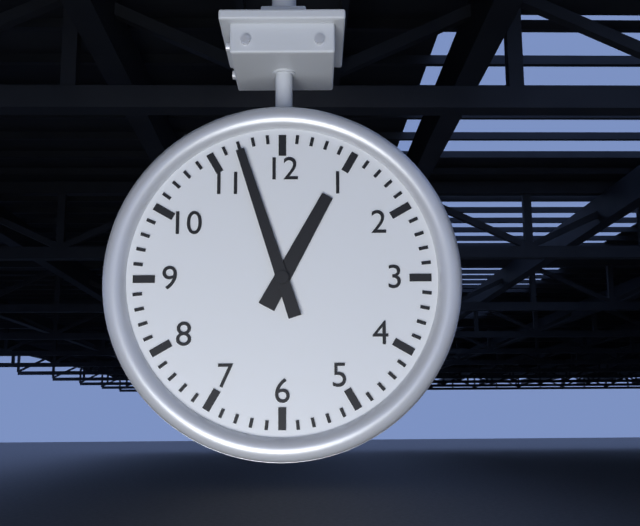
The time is 12 h 57 min
